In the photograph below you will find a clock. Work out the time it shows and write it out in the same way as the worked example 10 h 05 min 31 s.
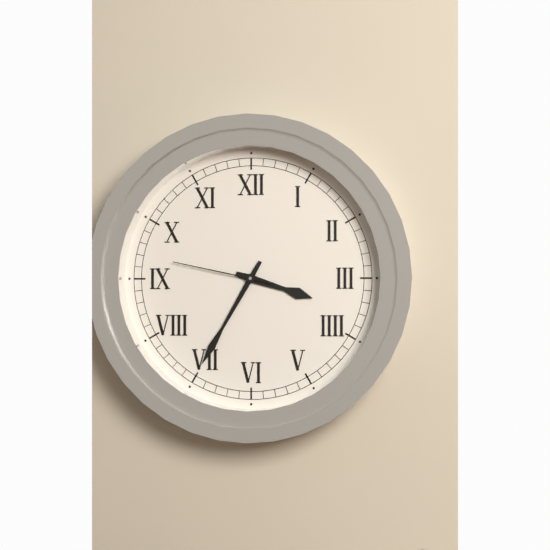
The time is 3 h 35 min 47 s
